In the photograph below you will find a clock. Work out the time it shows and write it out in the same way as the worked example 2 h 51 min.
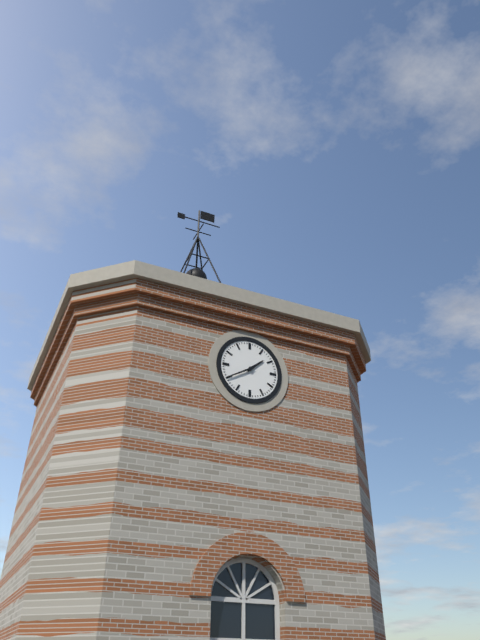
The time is 1 h 40 min
